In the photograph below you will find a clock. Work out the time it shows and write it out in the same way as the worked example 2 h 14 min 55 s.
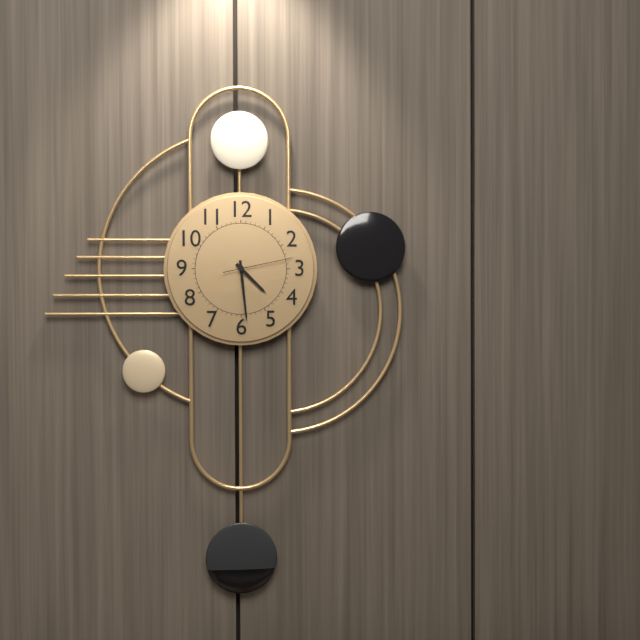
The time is 4 h 29 min 13 s
